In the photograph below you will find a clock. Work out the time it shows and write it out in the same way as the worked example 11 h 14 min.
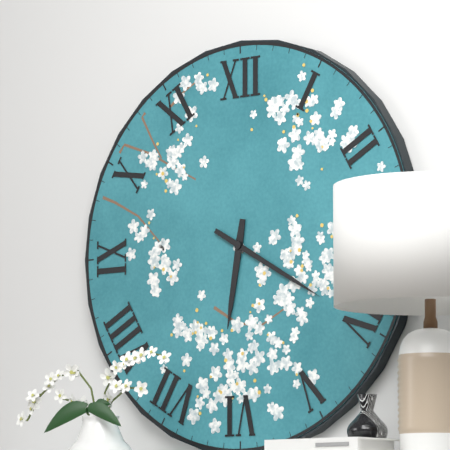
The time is 6 h 20 min
